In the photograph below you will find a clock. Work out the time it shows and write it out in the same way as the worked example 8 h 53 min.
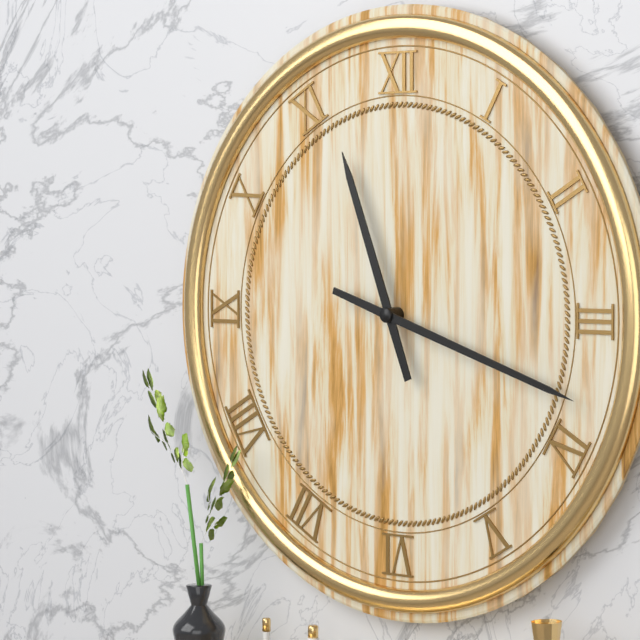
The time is 11 h 18 min
